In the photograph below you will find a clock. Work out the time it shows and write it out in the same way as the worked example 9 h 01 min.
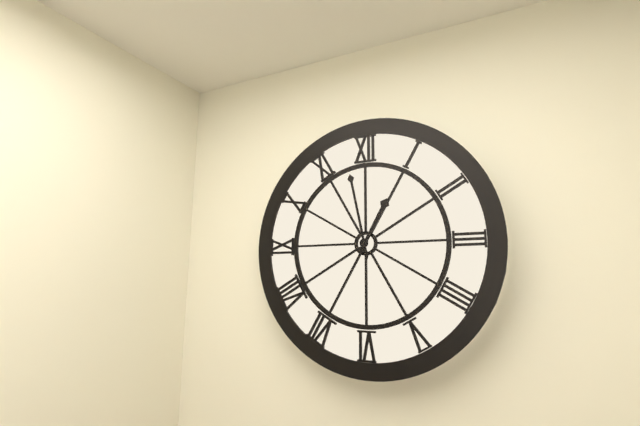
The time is 12 h 58 min
